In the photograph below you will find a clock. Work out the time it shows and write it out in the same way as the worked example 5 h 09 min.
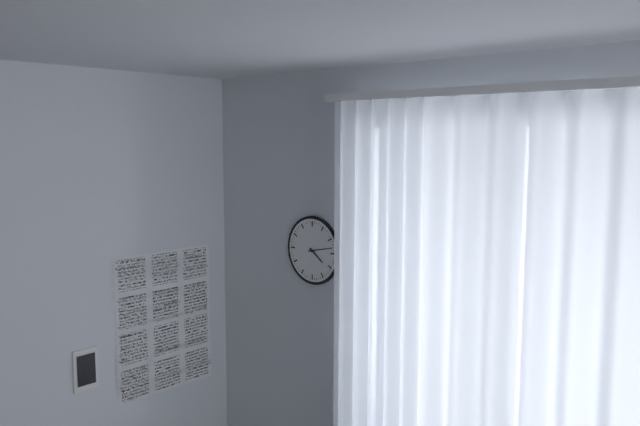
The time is 4 h 13 min
